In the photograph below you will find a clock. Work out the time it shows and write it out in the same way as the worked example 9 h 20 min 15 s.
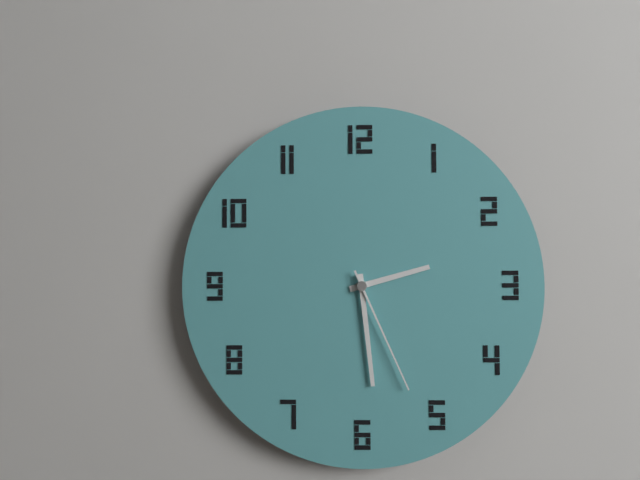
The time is 2 h 29 min 26 s
